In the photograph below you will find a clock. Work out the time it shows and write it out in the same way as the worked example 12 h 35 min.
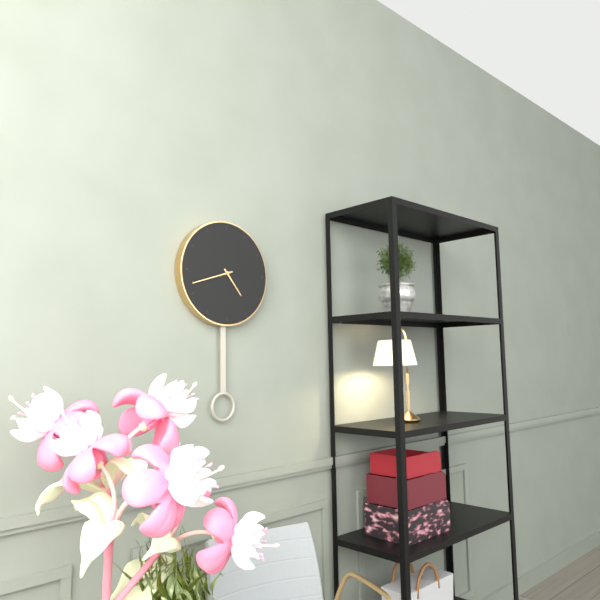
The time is 4 h 42 min
